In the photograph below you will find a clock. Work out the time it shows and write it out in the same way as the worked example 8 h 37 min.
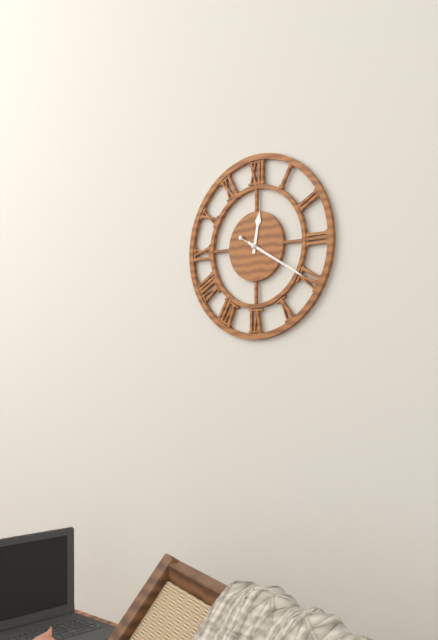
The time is 12 h 20 min
